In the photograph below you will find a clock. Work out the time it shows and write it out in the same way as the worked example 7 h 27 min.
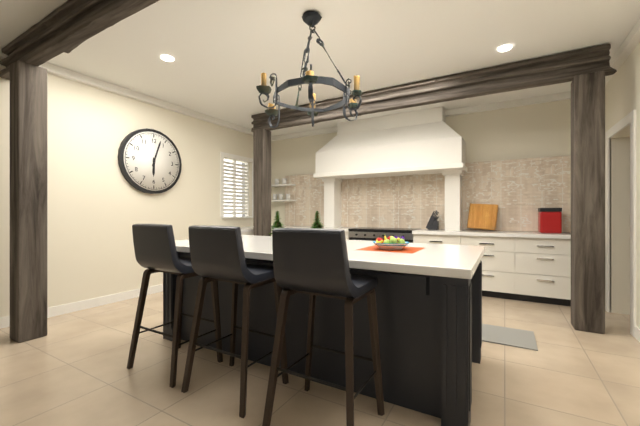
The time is 6 h 03 min
